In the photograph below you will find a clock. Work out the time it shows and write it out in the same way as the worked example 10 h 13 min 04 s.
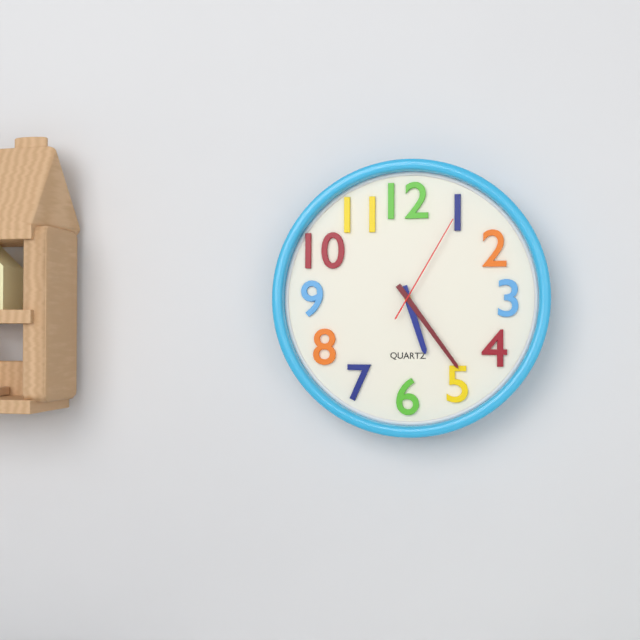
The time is 5 h 24 min 05 s
